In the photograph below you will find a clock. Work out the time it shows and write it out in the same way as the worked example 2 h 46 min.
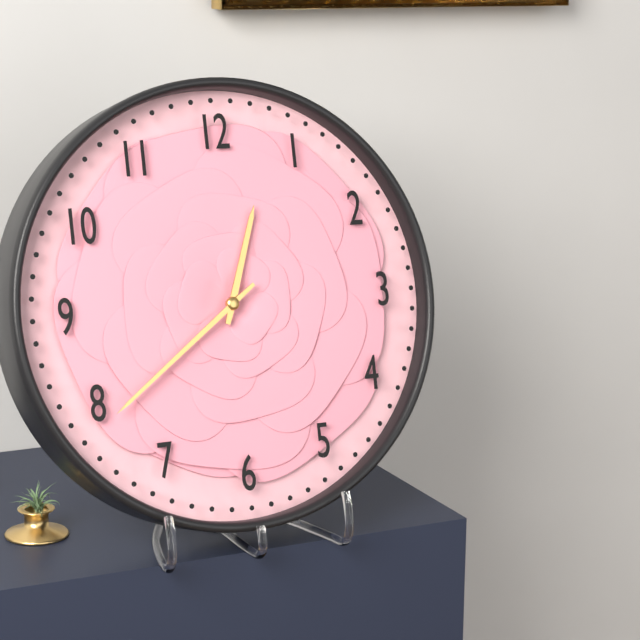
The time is 12 h 39 min
